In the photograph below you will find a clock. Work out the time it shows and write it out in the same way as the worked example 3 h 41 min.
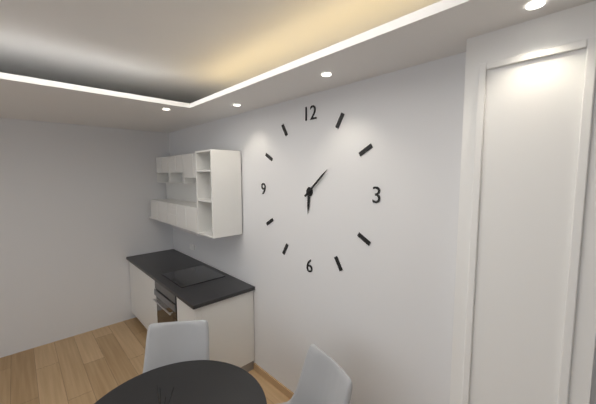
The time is 6 h 08 min
